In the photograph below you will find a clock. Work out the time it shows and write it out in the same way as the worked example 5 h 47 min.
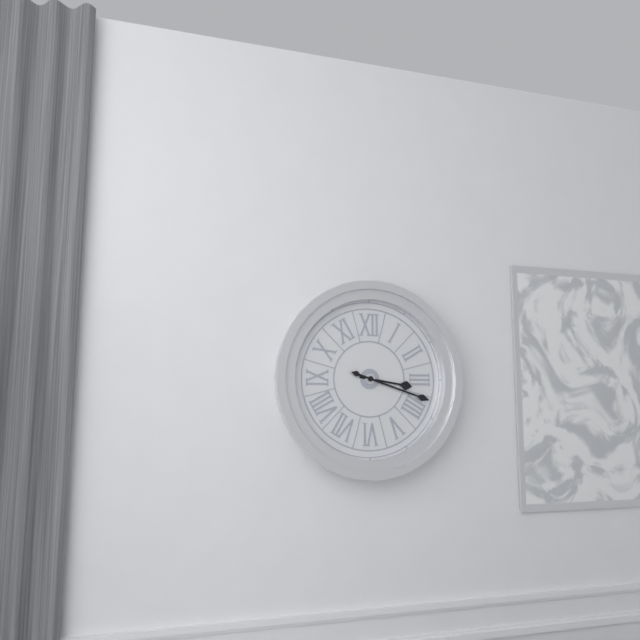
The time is 3 h 18 min
